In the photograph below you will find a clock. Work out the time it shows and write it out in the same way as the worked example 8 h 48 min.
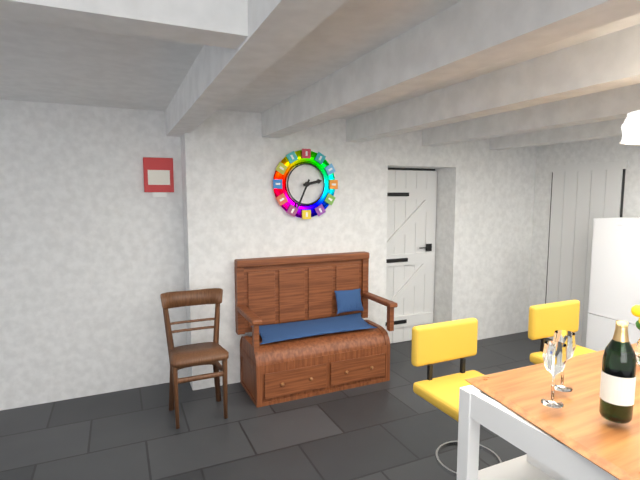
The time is 2 h 34 min
